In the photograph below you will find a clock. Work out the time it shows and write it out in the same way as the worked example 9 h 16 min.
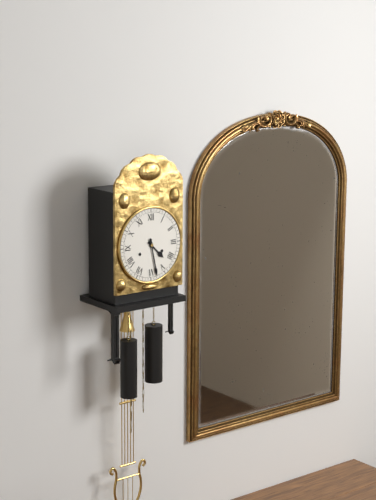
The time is 4 h 28 min
